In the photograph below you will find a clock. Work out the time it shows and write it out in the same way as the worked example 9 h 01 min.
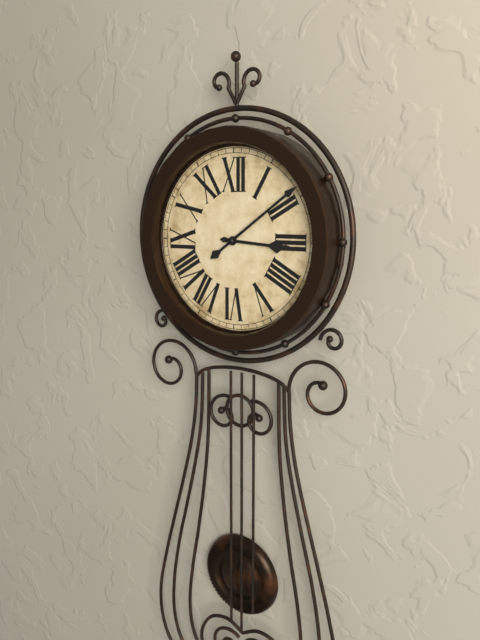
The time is 3 h 09 min
